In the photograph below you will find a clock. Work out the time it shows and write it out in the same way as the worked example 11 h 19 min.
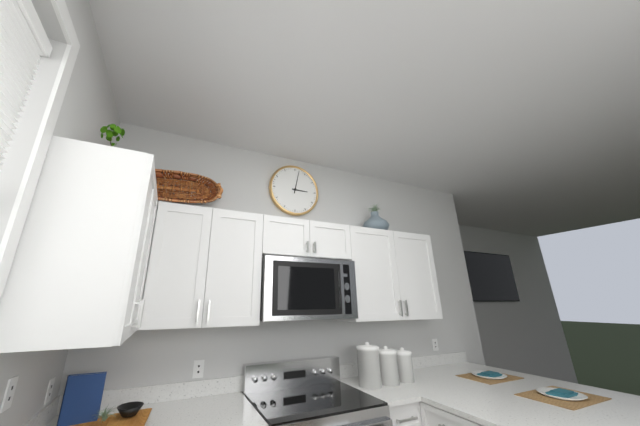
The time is 3 h 02 min
